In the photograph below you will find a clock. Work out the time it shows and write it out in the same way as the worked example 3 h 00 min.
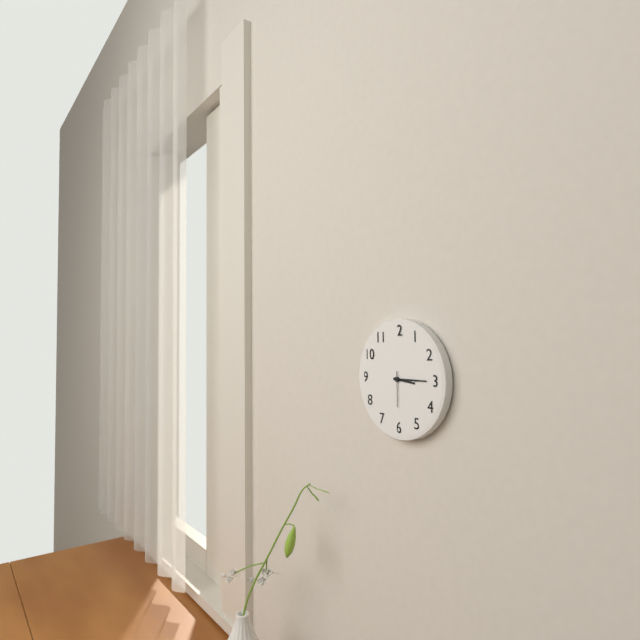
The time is 3 h 15 min
